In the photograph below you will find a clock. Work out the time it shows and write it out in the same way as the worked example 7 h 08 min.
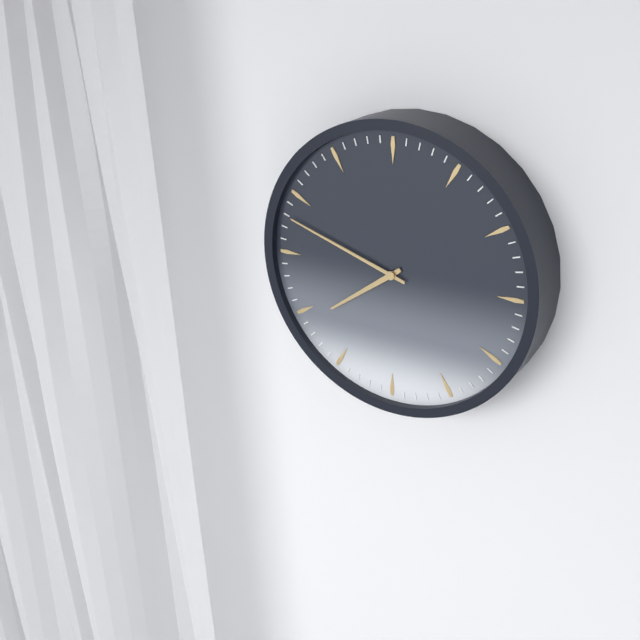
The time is 7 h 48 min
